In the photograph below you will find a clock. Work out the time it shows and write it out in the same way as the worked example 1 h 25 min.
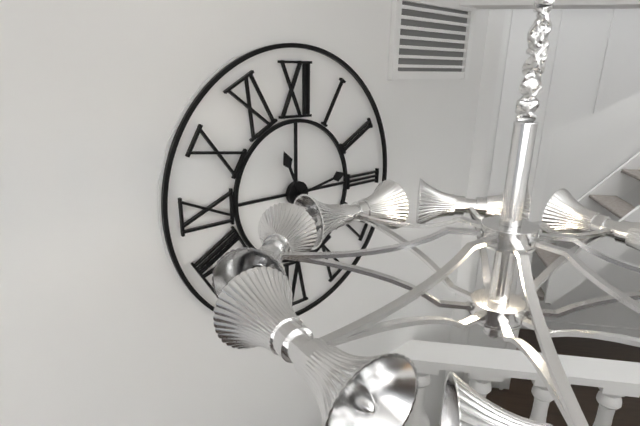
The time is 11 h 13 min
